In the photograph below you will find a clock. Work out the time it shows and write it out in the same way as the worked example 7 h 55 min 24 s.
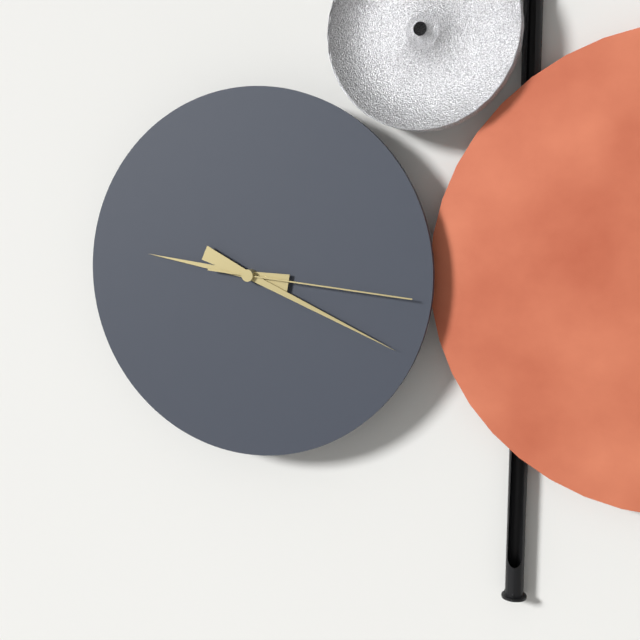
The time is 9 h 19 min 16 s
